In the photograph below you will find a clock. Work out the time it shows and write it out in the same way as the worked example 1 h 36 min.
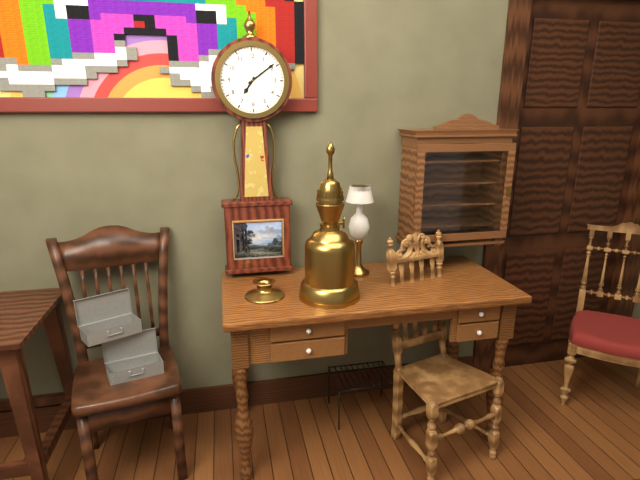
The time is 7 h 09 min
